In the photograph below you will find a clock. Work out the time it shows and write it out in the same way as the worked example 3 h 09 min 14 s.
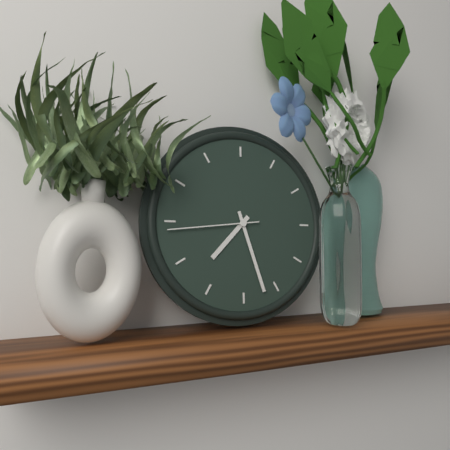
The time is 7 h 27 min 44 s
